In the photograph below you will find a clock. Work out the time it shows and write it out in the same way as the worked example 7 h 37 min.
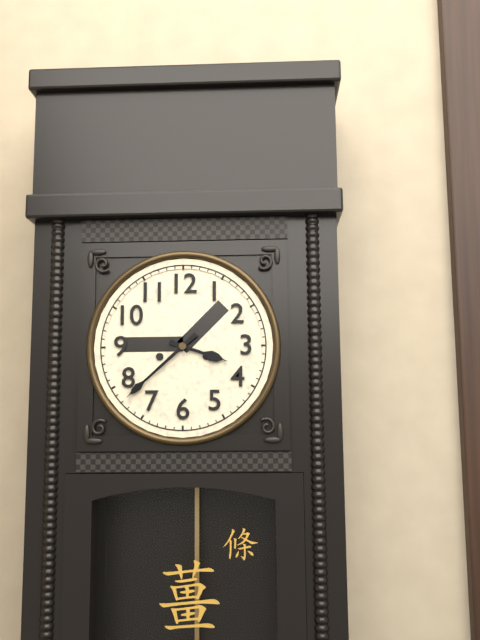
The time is 3 h 38 min
